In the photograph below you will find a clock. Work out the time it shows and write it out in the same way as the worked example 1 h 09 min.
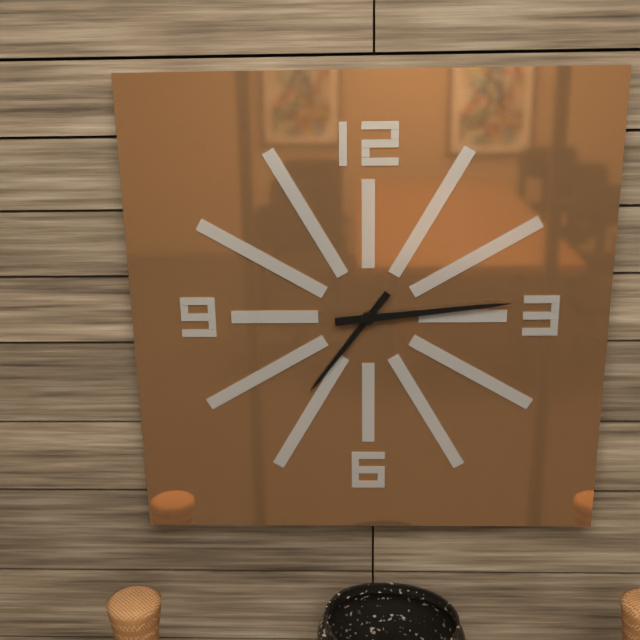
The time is 7 h 14 min
